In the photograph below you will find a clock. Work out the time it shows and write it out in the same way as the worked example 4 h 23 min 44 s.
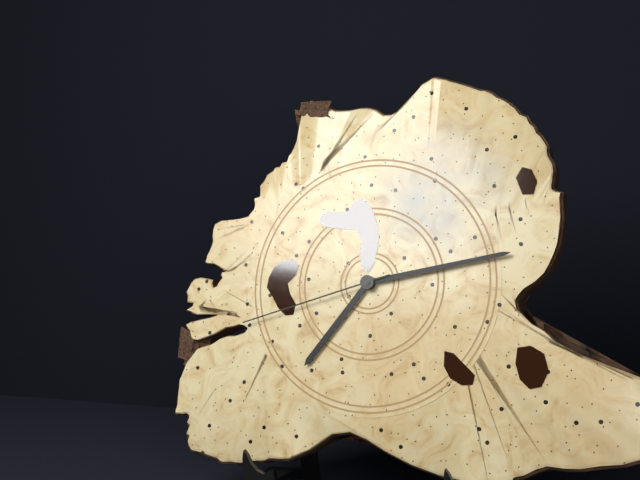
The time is 7 h 13 min 42 s
